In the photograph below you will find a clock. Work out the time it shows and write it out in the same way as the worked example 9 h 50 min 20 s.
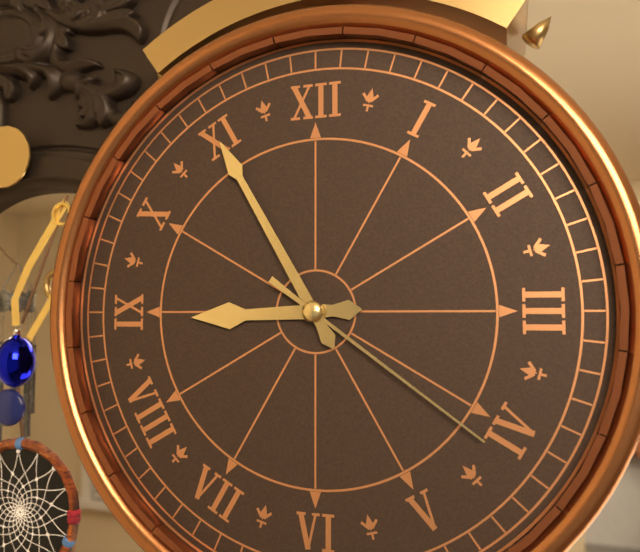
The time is 8 h 55 min 21 s
